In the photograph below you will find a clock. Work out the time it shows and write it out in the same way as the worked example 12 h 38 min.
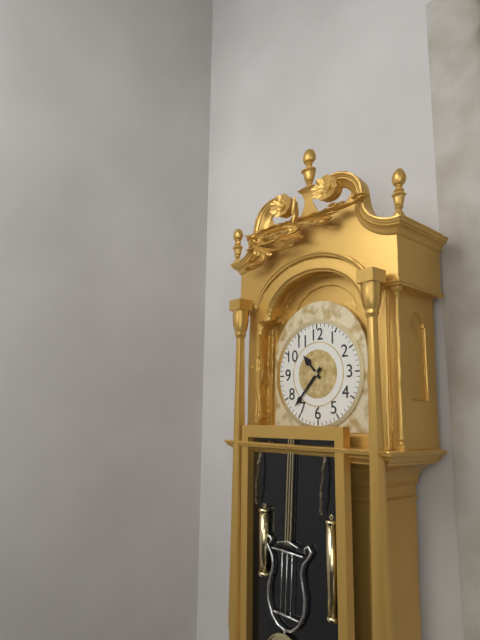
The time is 10 h 37 min
